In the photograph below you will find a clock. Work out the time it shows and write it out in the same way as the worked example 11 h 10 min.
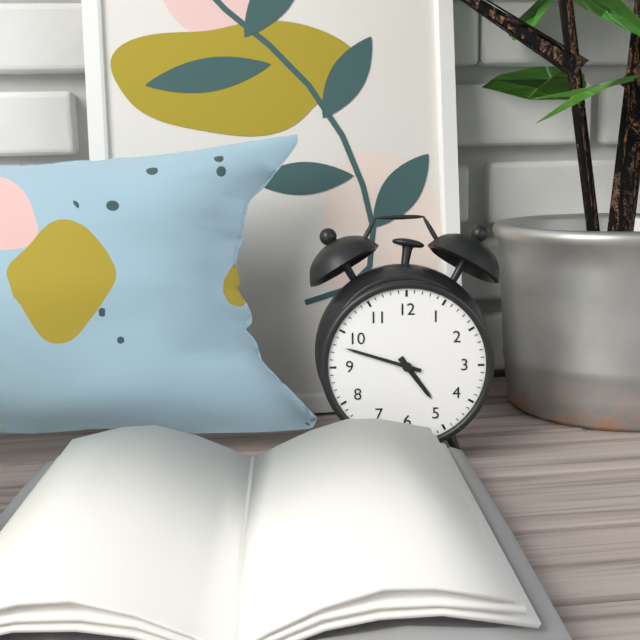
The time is 4 h 48 min
